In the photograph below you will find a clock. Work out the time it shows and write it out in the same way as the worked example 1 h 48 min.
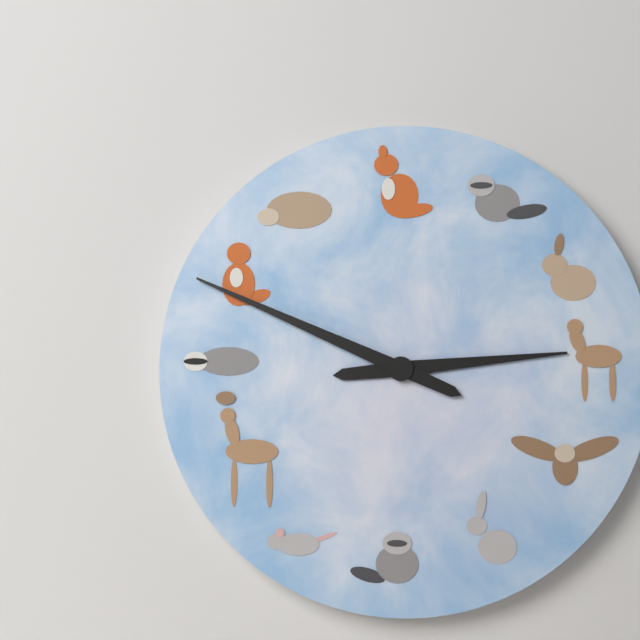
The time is 2 h 49 min
